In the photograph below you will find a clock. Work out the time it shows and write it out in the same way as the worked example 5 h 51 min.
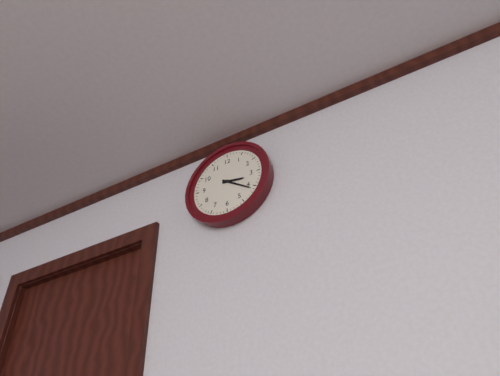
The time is 3 h 21 min
